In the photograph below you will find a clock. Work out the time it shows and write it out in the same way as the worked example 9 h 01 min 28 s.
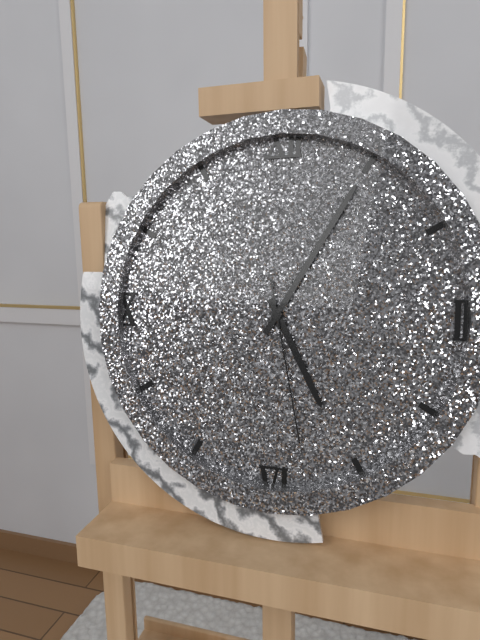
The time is 5 h 05 min 28 s
